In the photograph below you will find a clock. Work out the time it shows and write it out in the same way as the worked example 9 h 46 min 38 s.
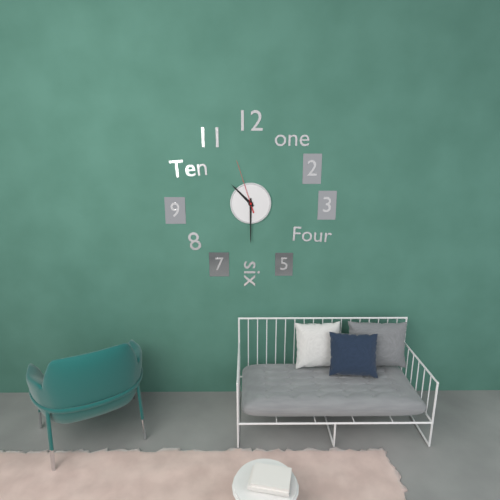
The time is 10 h 30 min 57 s
